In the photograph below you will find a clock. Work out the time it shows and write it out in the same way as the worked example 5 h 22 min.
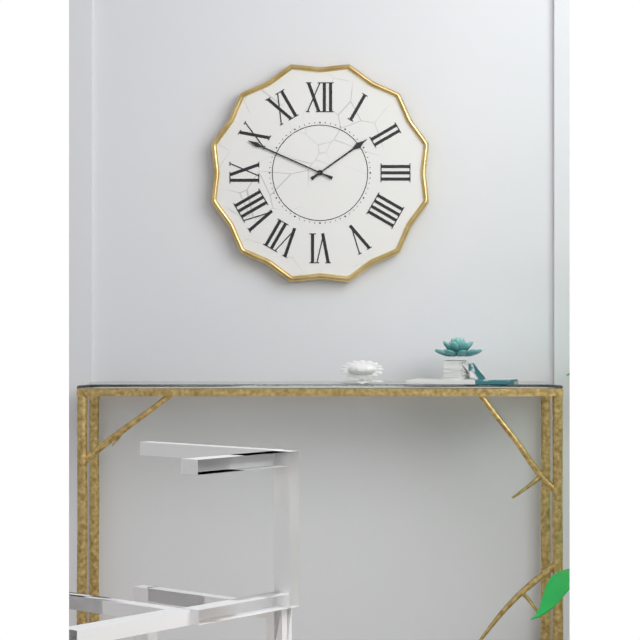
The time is 1 h 49 min
